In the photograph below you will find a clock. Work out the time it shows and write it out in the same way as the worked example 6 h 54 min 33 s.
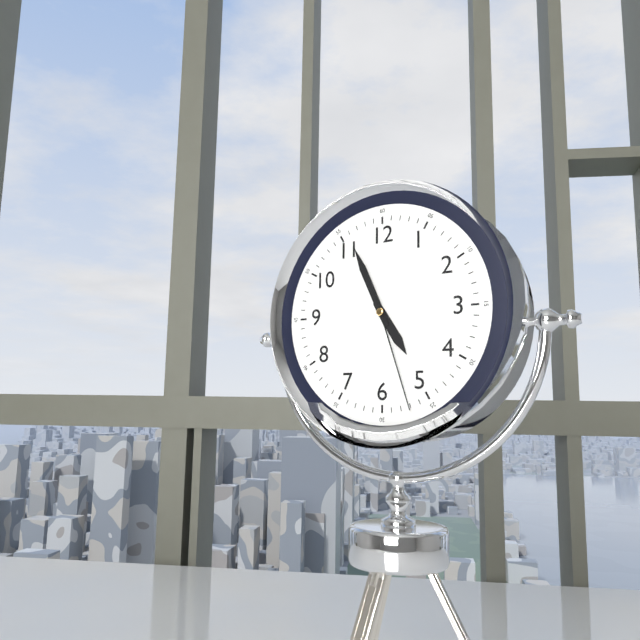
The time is 4 h 56 min 27 s
